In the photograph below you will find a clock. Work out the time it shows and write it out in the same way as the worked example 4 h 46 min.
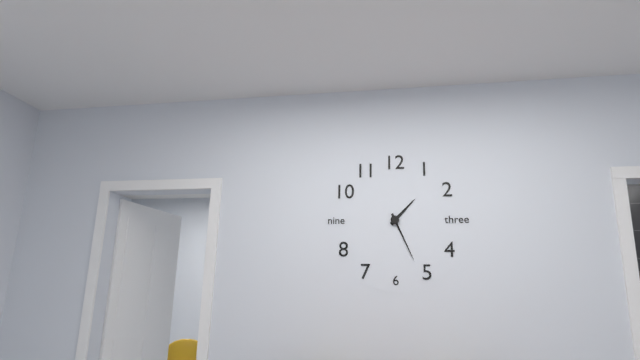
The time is 1 h 26 min
